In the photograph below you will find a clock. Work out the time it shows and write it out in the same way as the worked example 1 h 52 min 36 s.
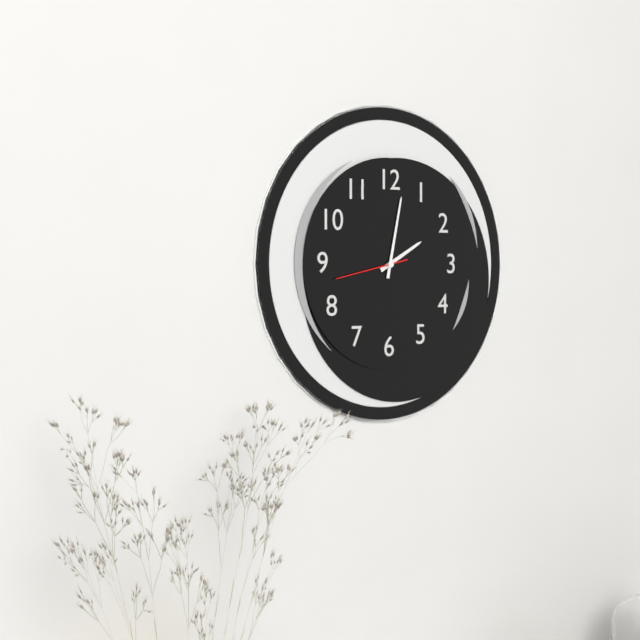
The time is 2 h 02 min 43 s
